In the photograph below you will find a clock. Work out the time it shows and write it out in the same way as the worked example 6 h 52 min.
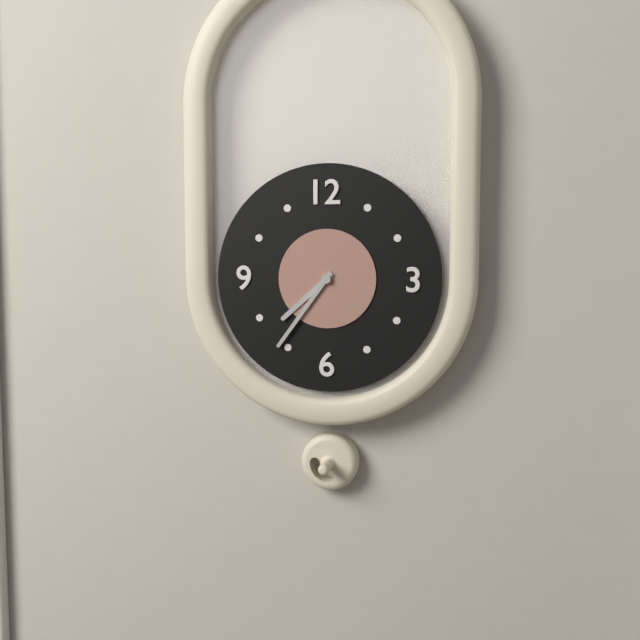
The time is 7 h 36 min
